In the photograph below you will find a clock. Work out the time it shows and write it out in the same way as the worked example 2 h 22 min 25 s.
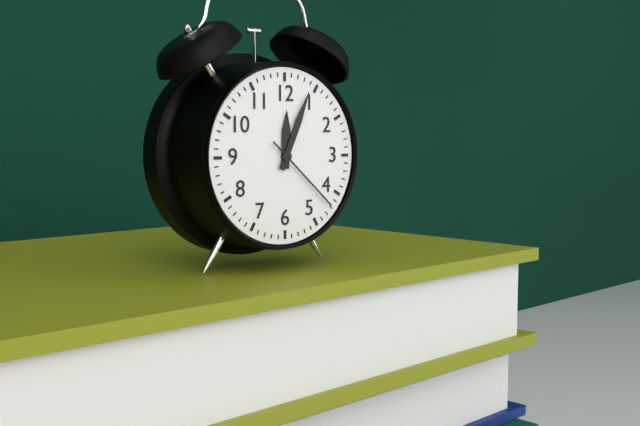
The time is 12 h 04 min 22 s
